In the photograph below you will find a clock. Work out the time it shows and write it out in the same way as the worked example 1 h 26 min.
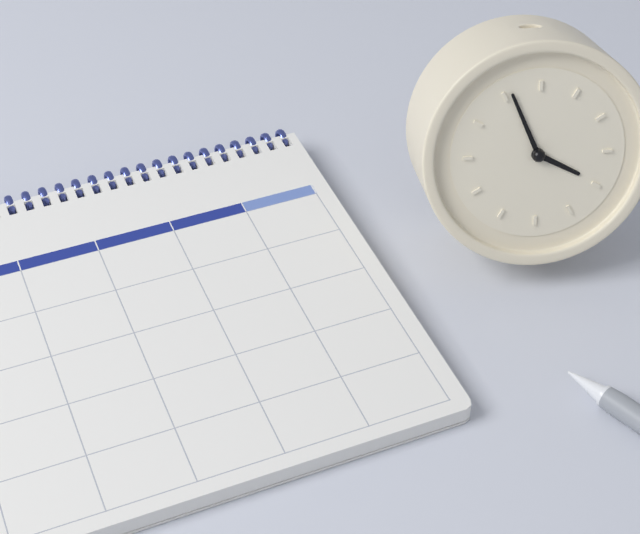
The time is 3 h 56 min
